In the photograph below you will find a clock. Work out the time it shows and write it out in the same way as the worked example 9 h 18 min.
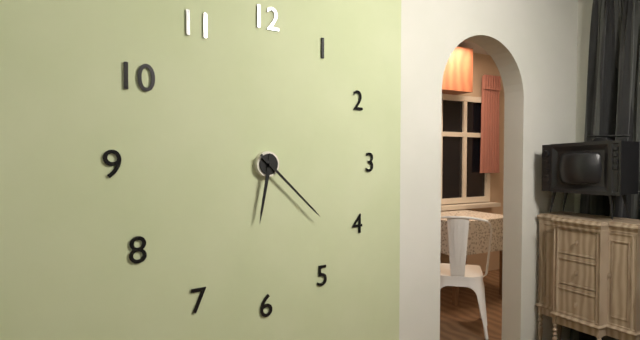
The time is 6 h 22 min
